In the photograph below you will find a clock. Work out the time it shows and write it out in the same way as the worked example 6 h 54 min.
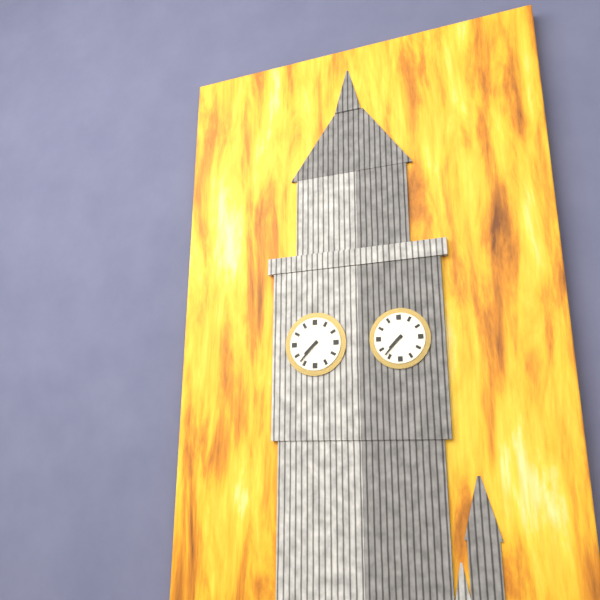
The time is 7 h 37 min
